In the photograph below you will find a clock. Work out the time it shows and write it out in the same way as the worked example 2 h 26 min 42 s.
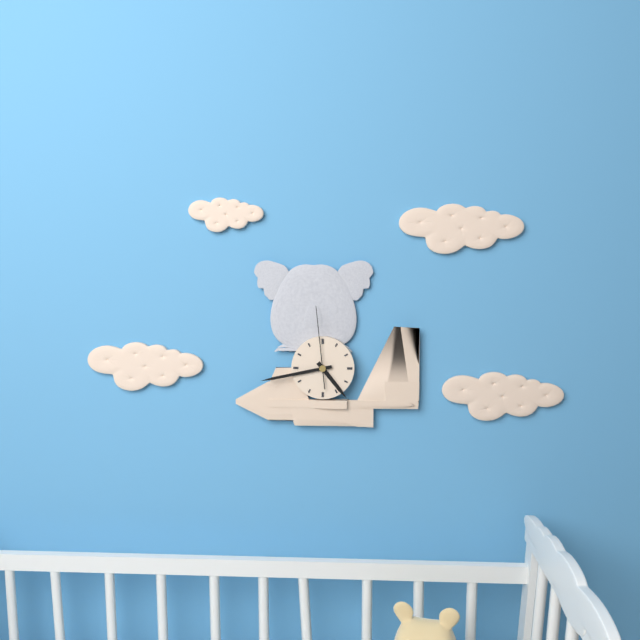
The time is 4 h 43 min 59 s
